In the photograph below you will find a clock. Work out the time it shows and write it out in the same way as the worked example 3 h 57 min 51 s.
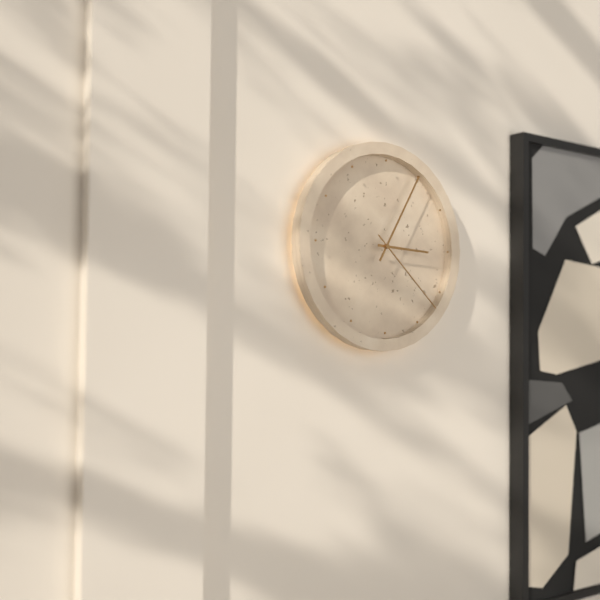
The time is 3 h 05 min 22 s
